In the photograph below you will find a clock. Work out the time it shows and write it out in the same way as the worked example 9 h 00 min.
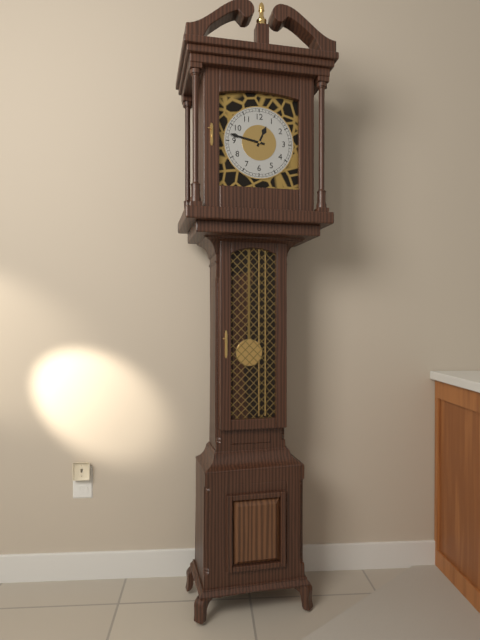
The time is 12 h 47 min
